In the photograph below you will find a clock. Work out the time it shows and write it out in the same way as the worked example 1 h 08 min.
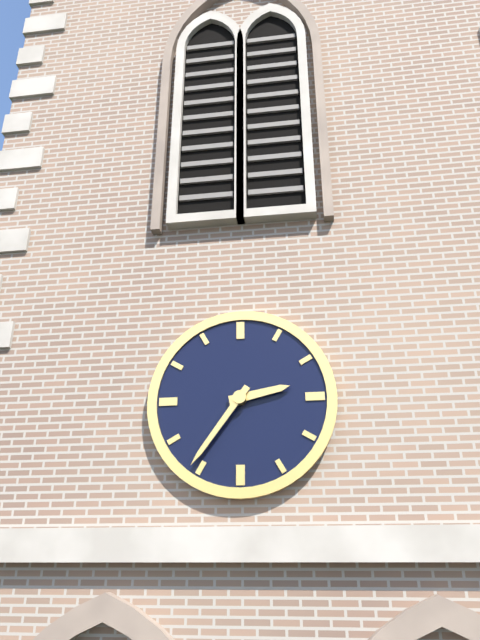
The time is 2 h 36 min
